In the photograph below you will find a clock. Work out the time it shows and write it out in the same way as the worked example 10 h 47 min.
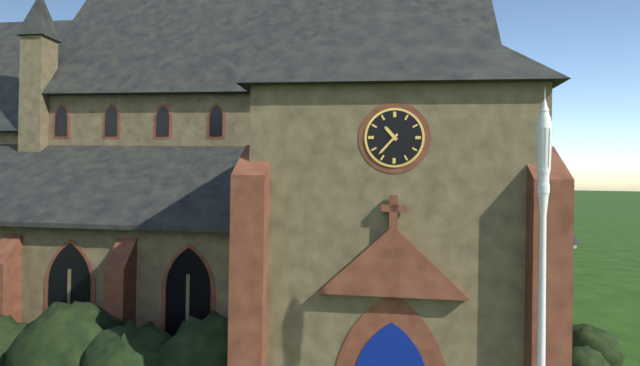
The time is 10 h 37 min
